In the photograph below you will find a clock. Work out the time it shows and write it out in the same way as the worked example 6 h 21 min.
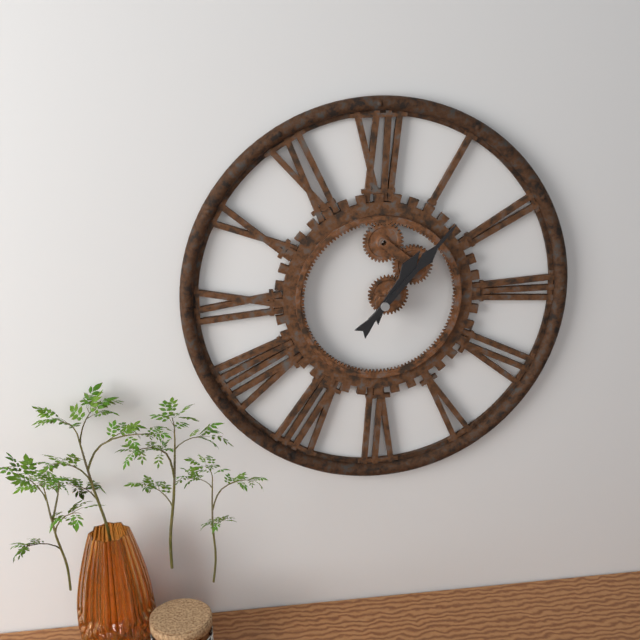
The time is 1 h 07 min
